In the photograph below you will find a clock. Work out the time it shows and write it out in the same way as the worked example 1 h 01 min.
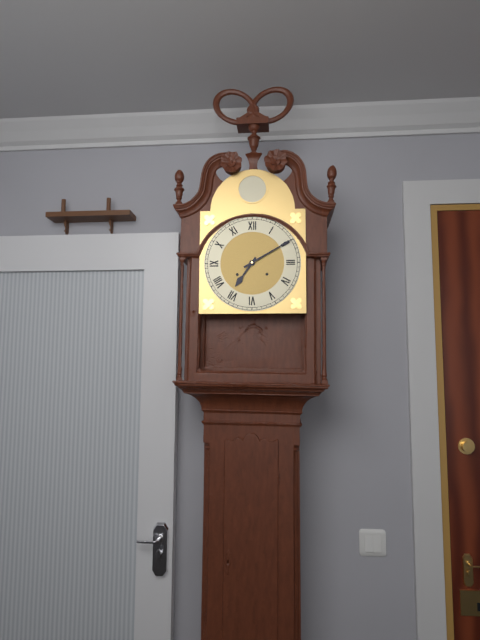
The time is 7 h 10 min
